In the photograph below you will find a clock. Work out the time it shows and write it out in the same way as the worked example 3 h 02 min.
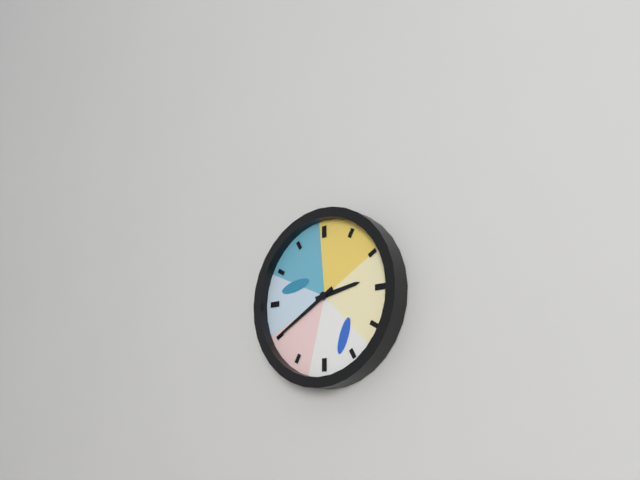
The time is 2 h 40 min
